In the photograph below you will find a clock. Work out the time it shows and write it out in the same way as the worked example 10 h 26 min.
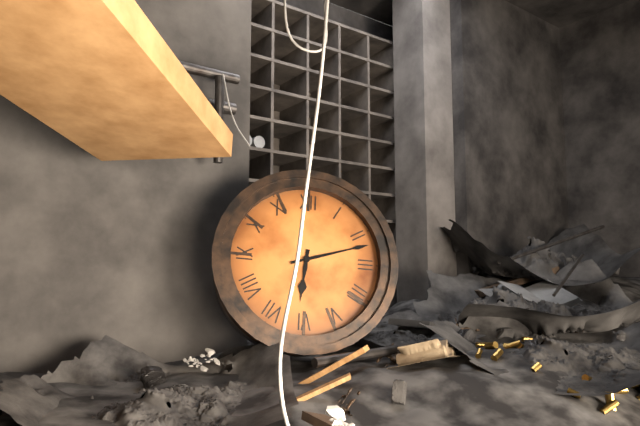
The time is 6 h 12 min
